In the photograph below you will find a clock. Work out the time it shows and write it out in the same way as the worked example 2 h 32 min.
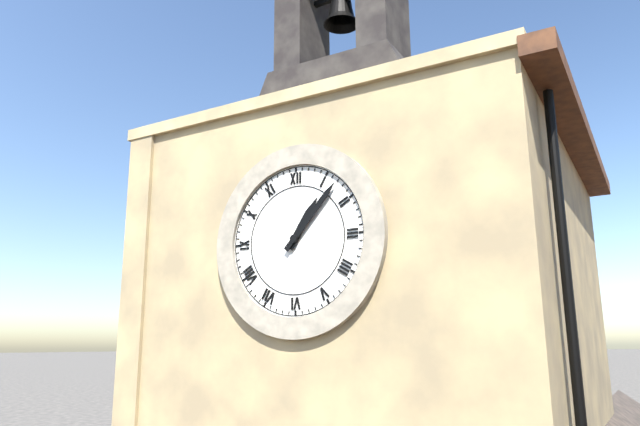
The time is 1 h 07 min
